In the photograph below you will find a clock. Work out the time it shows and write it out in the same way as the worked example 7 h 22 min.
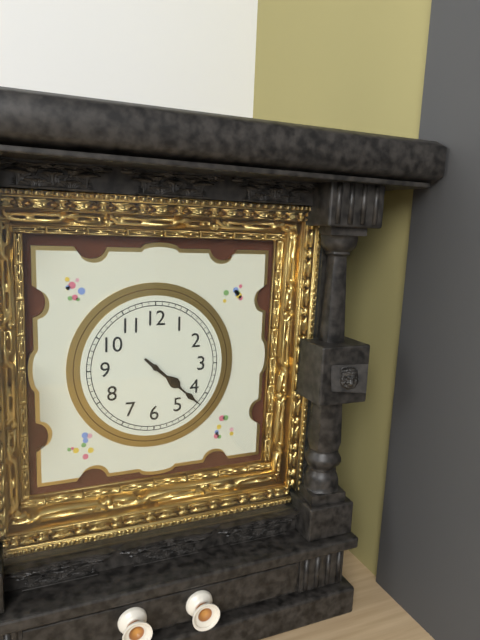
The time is 4 h 22 min
